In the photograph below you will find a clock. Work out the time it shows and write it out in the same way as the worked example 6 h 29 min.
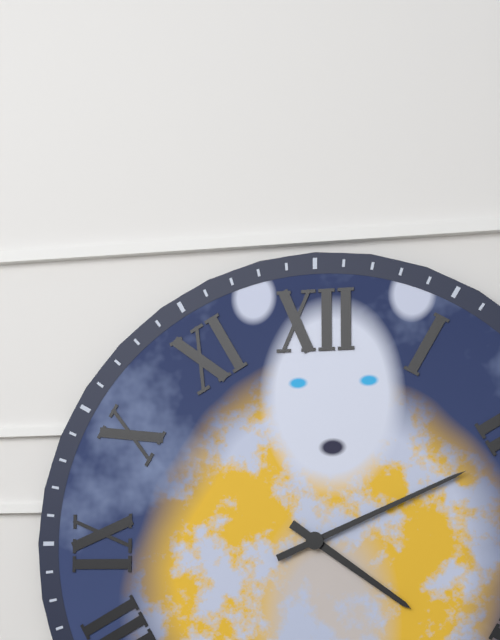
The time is 4 h 11 min
